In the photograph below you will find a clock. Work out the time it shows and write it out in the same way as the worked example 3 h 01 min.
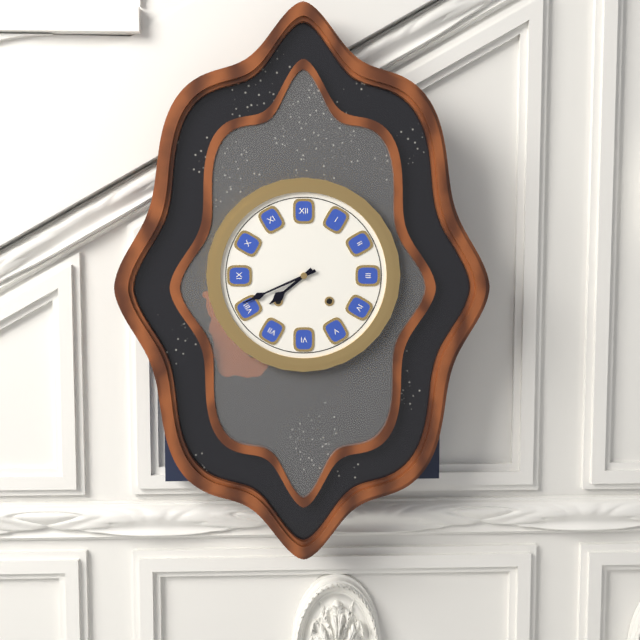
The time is 7 h 41 min
